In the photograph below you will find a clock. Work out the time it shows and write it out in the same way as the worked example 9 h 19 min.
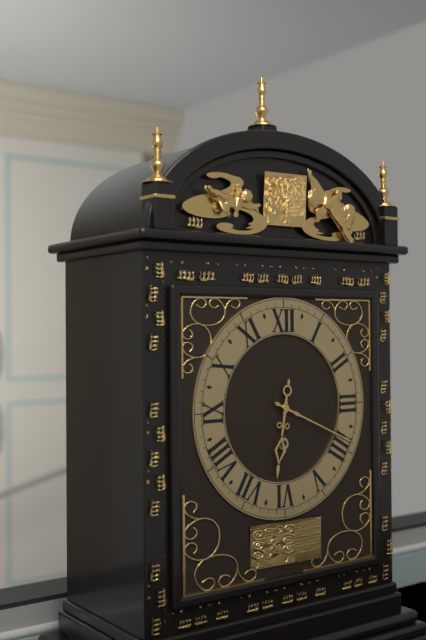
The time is 6 h 19 min
